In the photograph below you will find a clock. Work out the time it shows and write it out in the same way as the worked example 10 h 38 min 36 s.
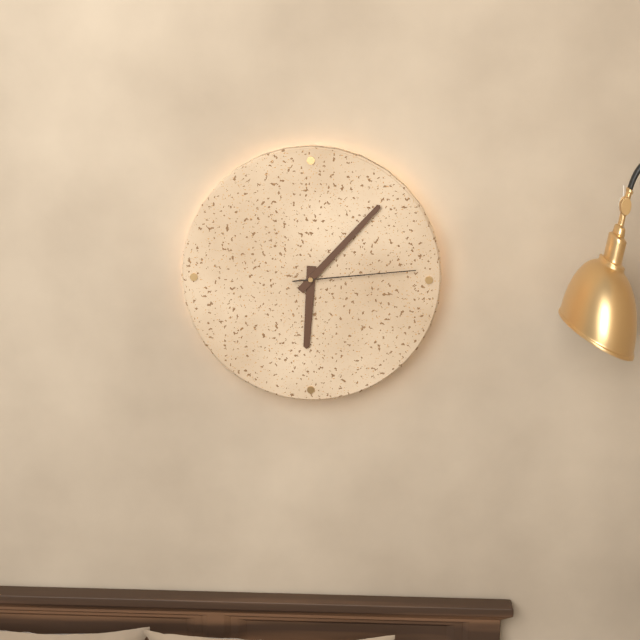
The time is 6 h 07 min 14 s
